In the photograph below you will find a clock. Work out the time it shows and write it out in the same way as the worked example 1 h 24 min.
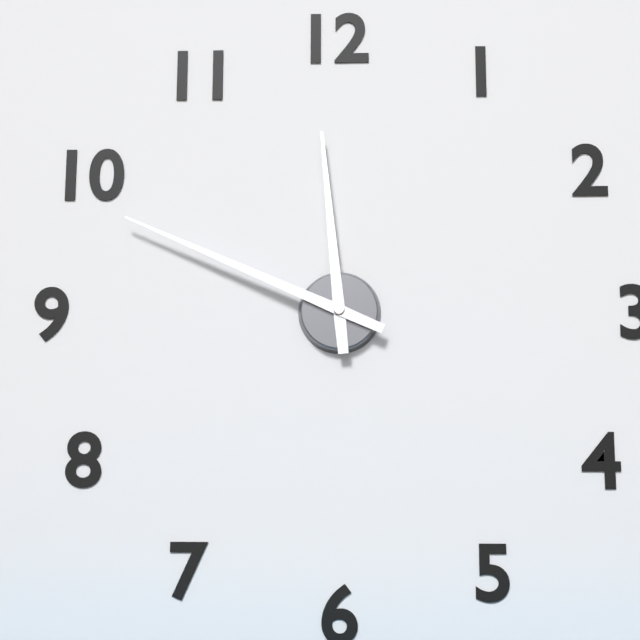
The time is 11 h 49 min
